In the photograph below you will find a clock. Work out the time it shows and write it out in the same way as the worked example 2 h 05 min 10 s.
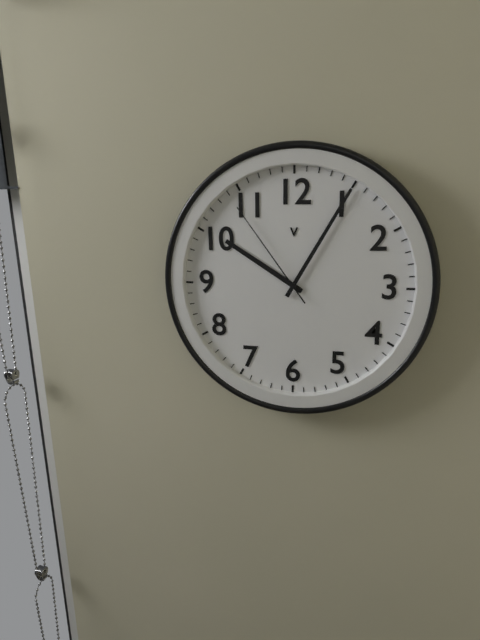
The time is 10 h 05 min 54 s
